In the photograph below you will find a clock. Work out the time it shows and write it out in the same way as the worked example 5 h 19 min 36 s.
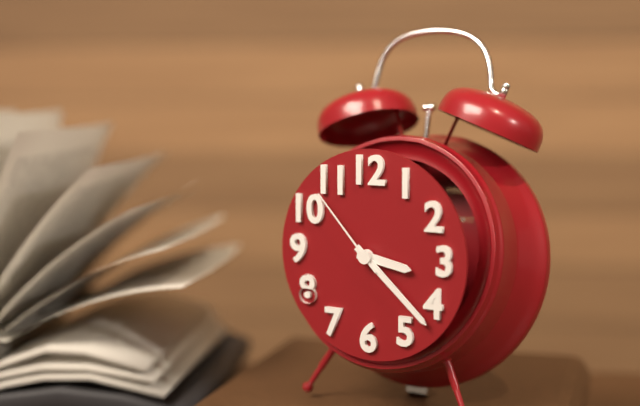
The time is 3 h 22 min 53 s
